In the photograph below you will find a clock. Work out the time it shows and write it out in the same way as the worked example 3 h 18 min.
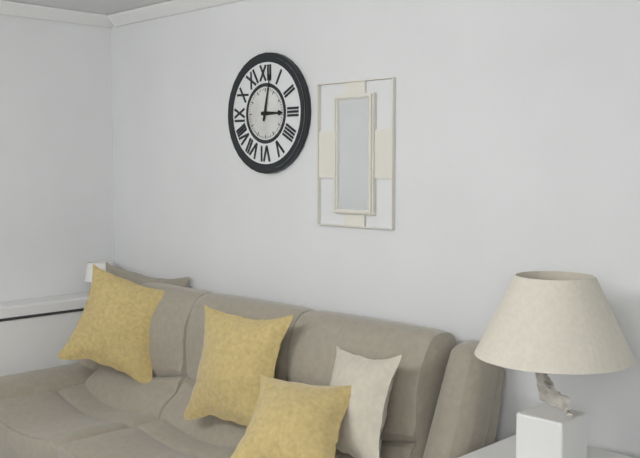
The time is 3 h 02 min
